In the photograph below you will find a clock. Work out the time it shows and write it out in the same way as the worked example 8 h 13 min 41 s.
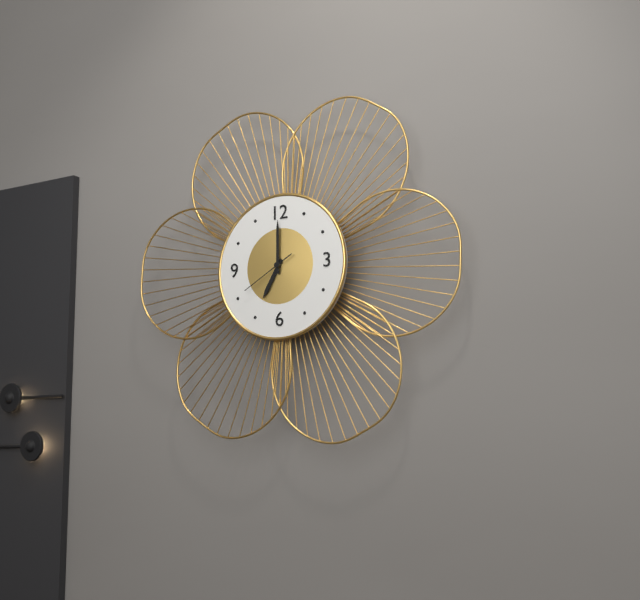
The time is 7 h 00 min 40 s
